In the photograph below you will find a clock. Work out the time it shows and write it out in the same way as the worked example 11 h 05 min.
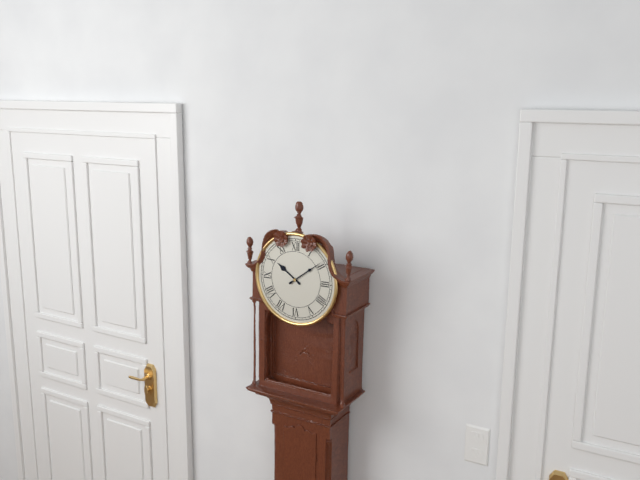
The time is 10 h 09 min
